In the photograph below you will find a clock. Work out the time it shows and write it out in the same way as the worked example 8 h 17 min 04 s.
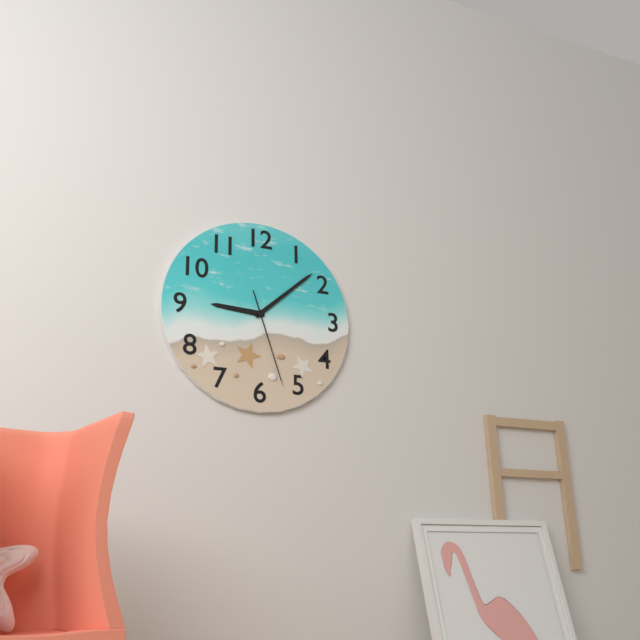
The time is 9 h 08 min 27 s
